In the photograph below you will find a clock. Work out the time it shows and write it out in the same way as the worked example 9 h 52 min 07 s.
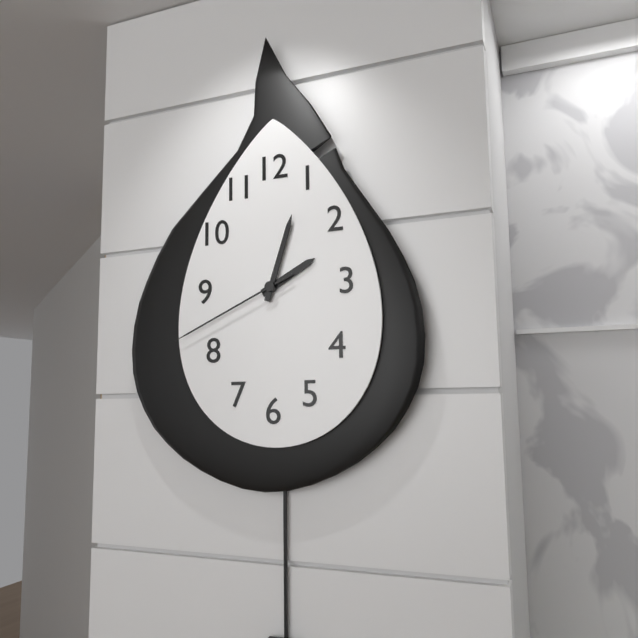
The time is 2 h 03 min 41 s
